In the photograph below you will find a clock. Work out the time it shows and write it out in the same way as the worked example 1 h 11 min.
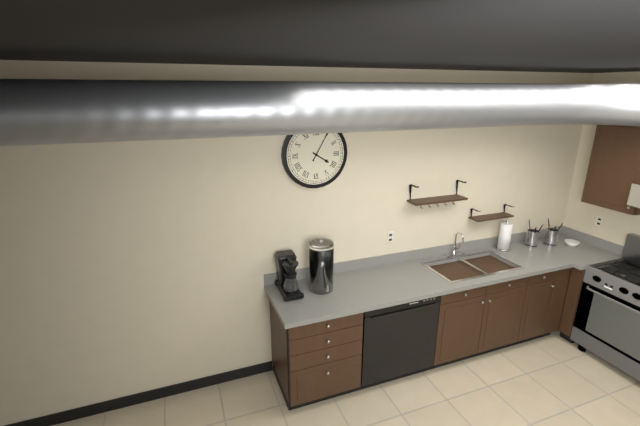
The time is 4 h 05 min
